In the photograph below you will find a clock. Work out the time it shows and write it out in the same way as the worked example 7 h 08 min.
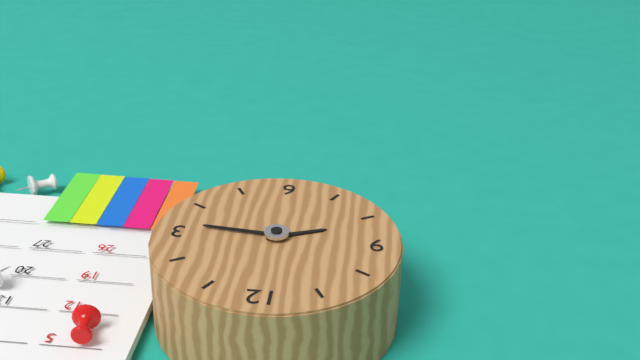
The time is 8 h 16 min
